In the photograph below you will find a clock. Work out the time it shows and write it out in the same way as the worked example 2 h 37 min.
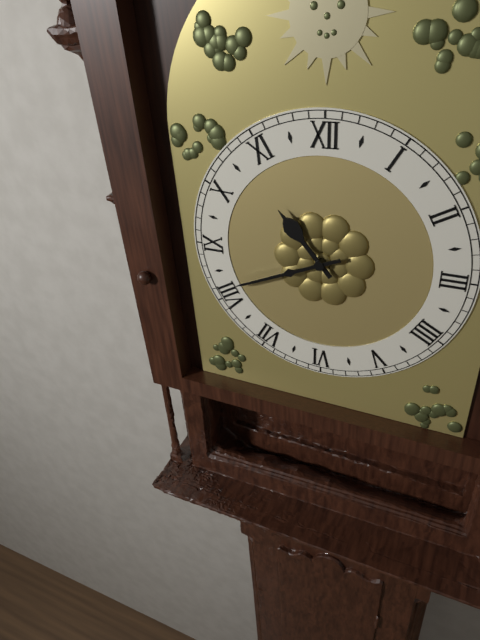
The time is 10 h 41 min
